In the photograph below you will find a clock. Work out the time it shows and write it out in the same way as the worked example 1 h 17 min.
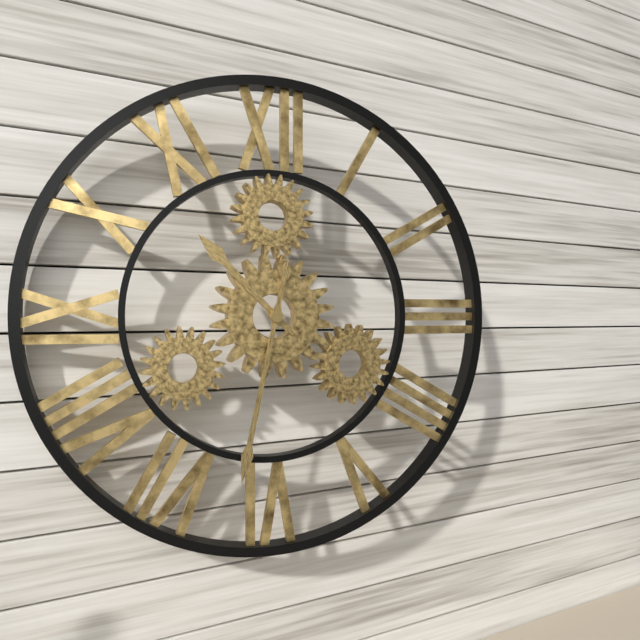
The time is 10 h 32 min
